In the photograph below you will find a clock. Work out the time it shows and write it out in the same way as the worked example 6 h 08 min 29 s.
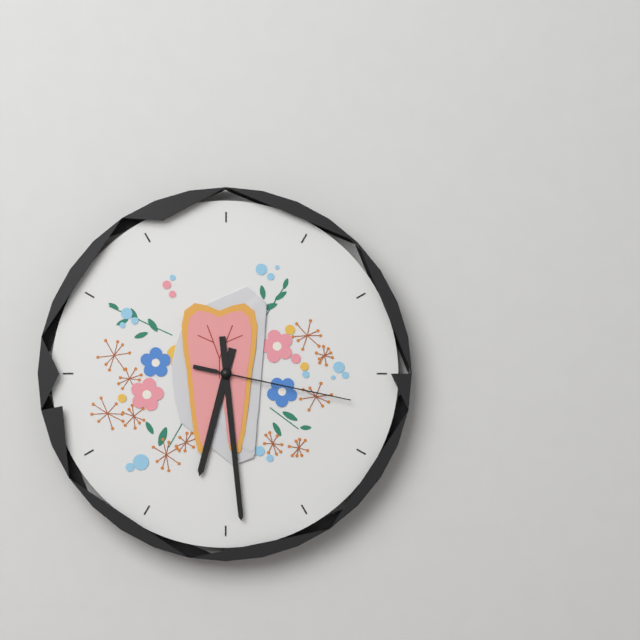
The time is 6 h 29 min 17 s
